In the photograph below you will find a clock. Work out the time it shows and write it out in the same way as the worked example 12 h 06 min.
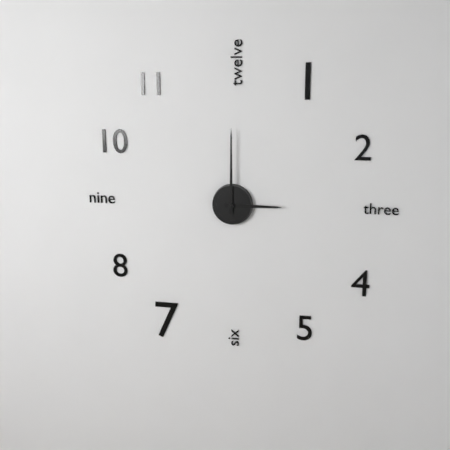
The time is 3 h 00 min
